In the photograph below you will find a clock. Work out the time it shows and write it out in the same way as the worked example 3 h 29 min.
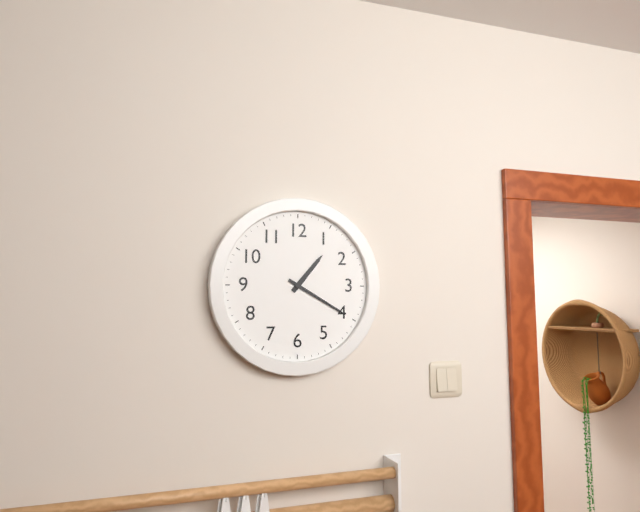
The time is 1 h 20 min
